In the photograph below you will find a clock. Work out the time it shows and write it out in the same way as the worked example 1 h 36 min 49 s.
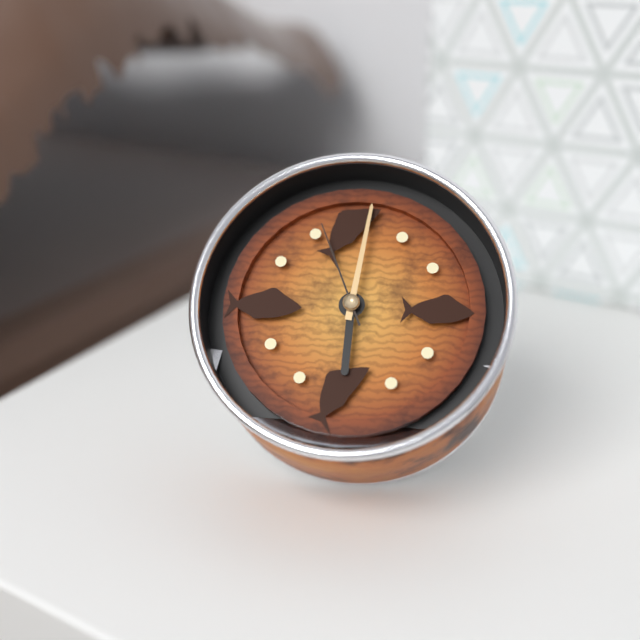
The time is 6 h 01 min 56 s
